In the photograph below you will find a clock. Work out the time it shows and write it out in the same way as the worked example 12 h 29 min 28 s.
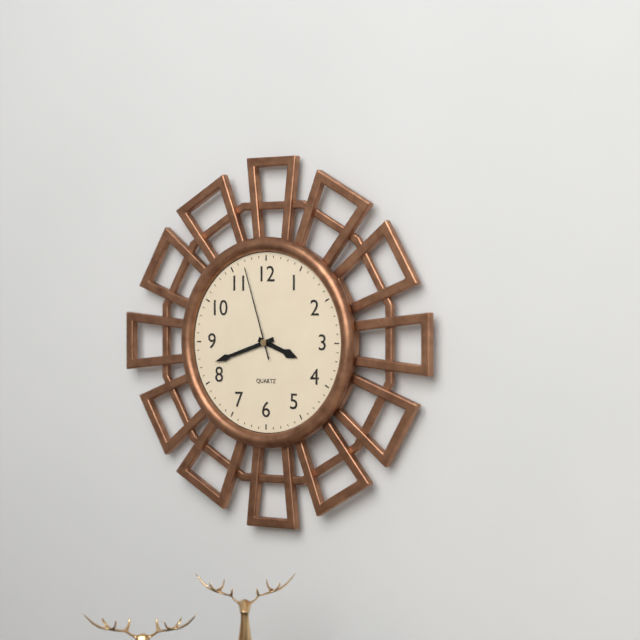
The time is 3 h 42 min 57 s
